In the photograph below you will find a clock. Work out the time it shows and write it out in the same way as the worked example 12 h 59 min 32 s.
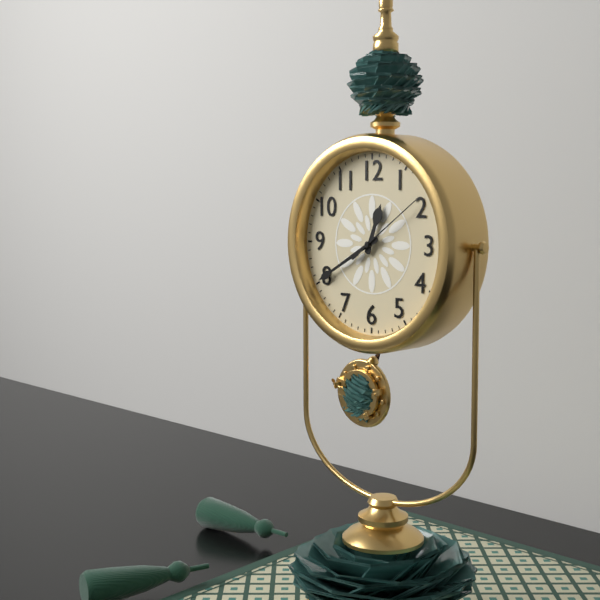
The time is 12 h 40 min 09 s
